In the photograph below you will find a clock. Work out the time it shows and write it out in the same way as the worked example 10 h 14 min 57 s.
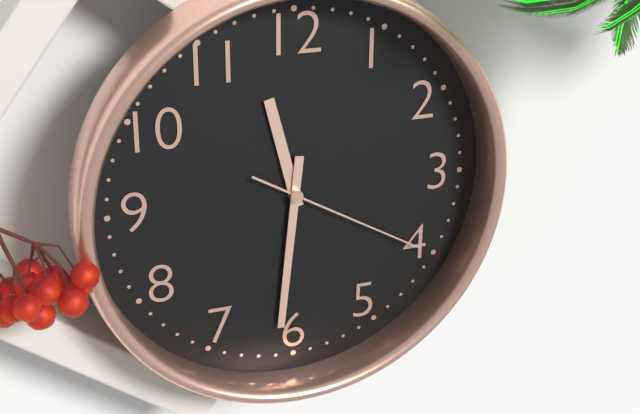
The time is 11 h 31 min 20 s
